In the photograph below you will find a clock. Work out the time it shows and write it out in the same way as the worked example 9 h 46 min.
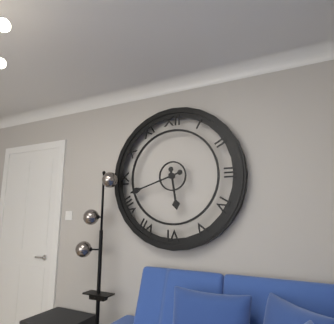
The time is 5 h 42 min
